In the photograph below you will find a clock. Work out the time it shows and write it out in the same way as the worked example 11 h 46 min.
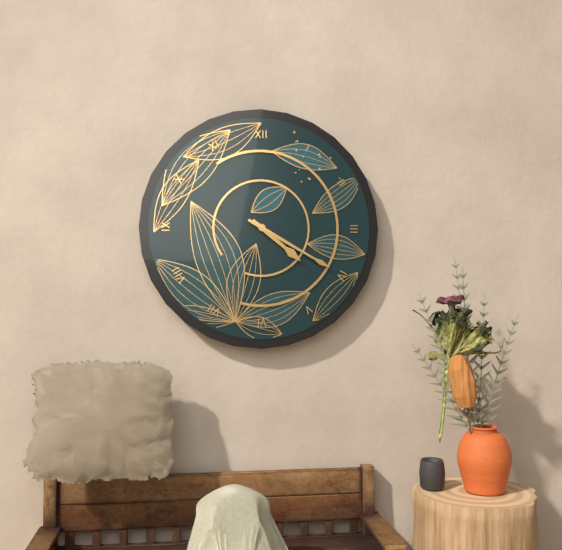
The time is 4 h 20 min
